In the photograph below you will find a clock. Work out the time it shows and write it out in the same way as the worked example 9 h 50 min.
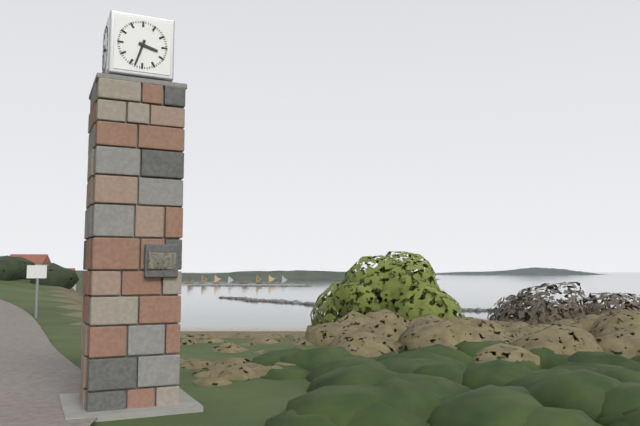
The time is 3 h 33 min
